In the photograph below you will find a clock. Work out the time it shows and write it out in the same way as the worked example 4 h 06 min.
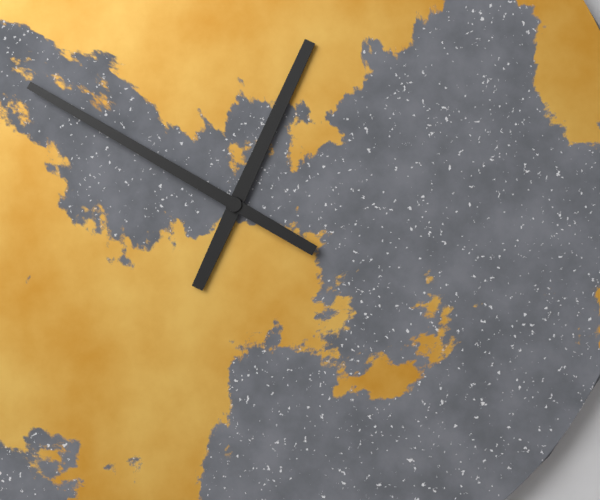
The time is 12 h 50 min
